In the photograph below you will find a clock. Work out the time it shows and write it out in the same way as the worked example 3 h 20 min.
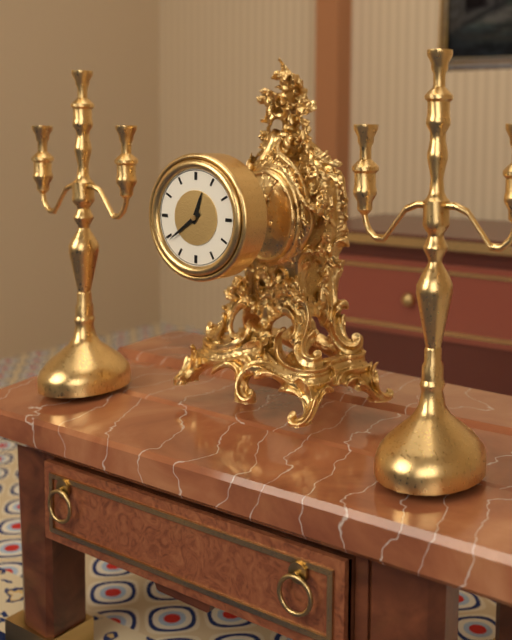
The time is 12 h 39 min
